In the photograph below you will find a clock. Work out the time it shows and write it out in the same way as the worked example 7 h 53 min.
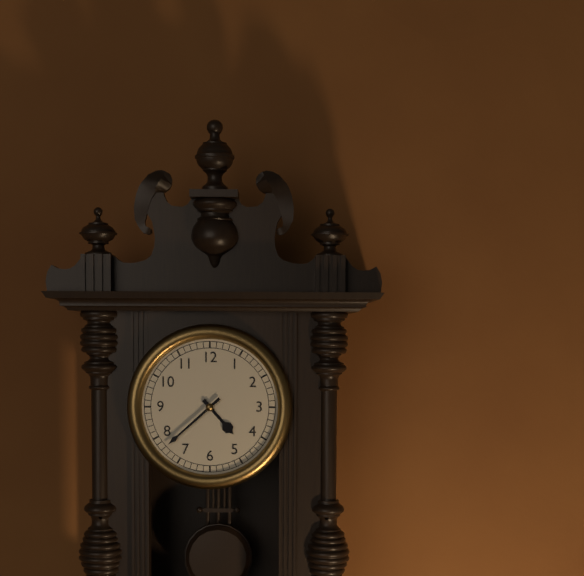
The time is 4 h 38 min
